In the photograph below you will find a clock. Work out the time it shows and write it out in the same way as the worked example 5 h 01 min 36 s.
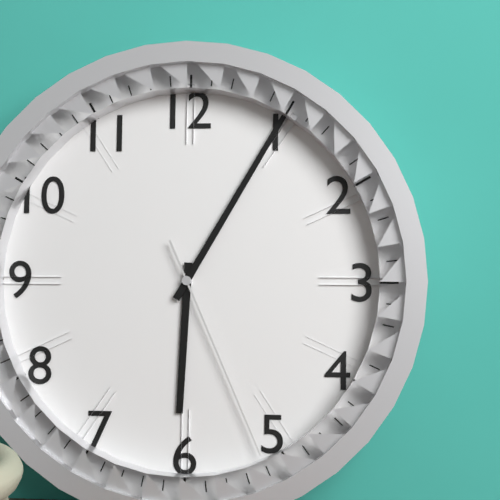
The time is 6 h 05 min 26 s
